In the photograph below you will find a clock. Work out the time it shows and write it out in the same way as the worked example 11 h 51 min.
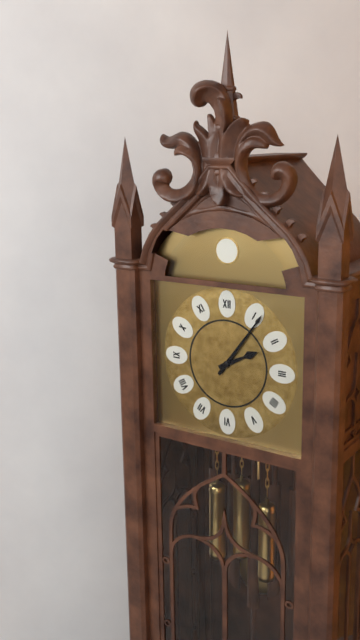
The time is 2 h 06 min
